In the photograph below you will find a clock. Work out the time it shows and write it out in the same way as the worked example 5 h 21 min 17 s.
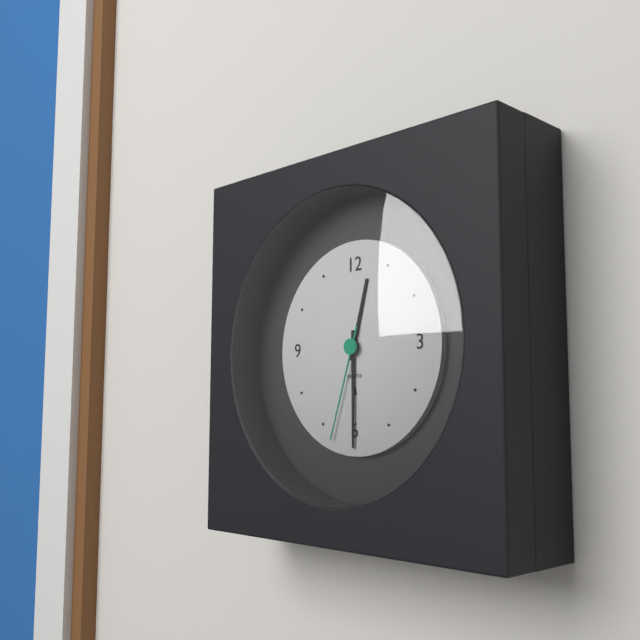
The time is 12 h 30 min 33 s
